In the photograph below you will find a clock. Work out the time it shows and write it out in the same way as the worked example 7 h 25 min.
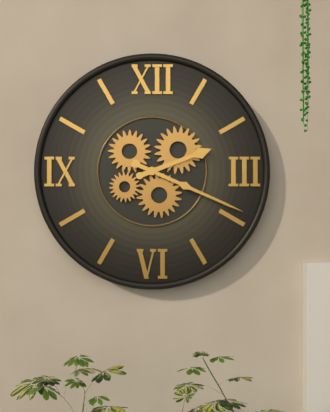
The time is 2 h 19 min
